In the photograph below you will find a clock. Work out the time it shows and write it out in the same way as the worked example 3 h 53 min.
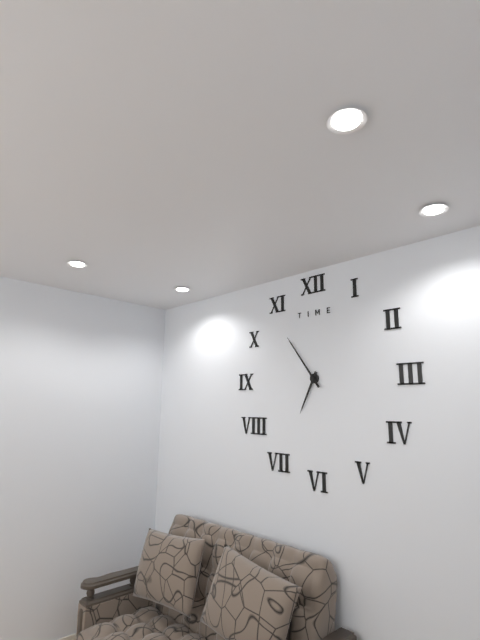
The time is 6 h 54 min
